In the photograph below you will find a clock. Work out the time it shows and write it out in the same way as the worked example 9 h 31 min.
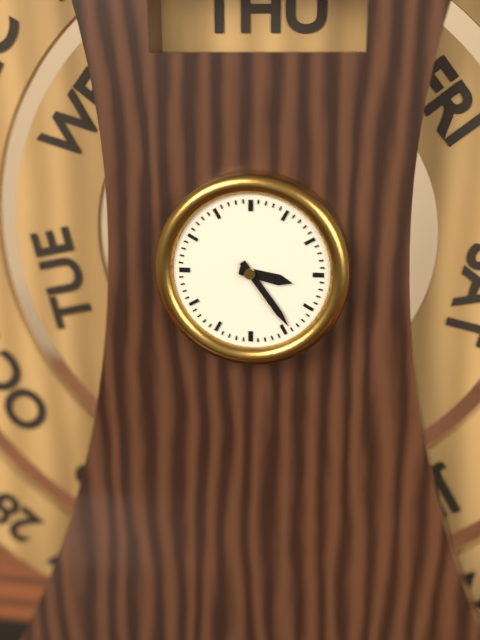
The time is 3 h 24 min
